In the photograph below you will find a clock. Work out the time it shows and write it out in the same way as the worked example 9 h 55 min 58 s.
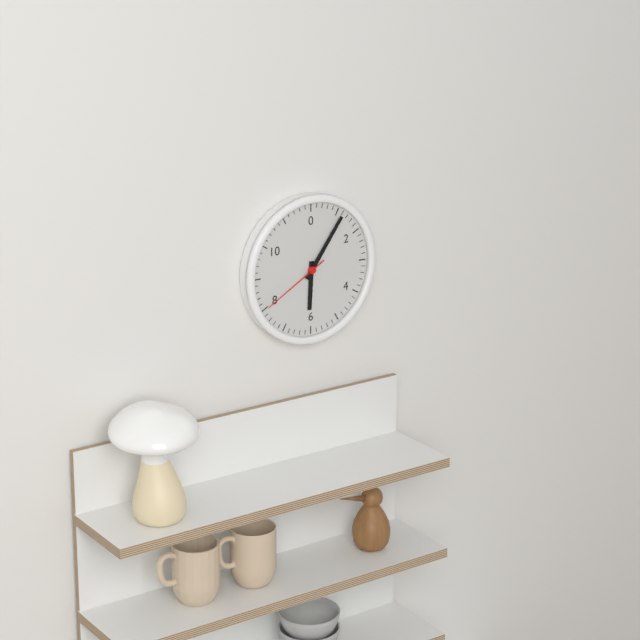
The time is 6 h 06 min 40 s
